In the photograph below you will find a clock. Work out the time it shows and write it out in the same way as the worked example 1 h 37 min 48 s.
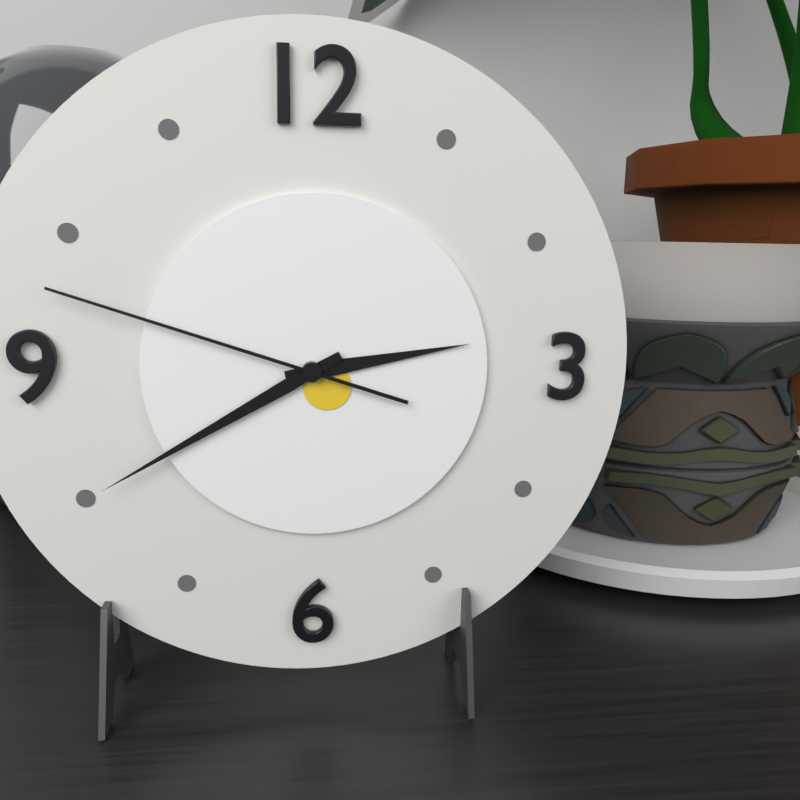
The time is 2 h 40 min 48 s
